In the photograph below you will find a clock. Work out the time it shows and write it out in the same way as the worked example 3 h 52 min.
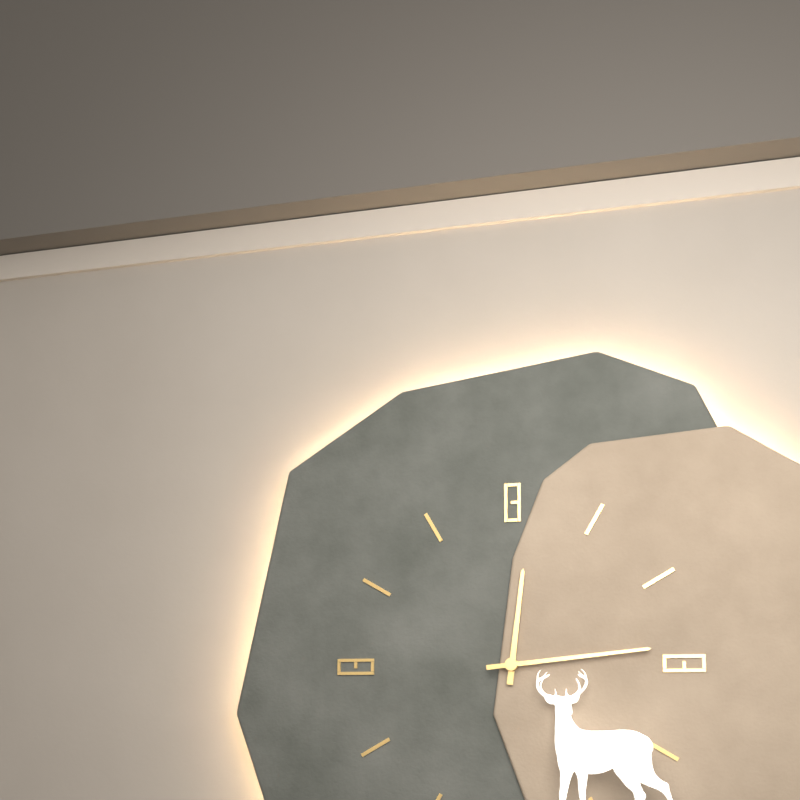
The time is 12 h 14 min
